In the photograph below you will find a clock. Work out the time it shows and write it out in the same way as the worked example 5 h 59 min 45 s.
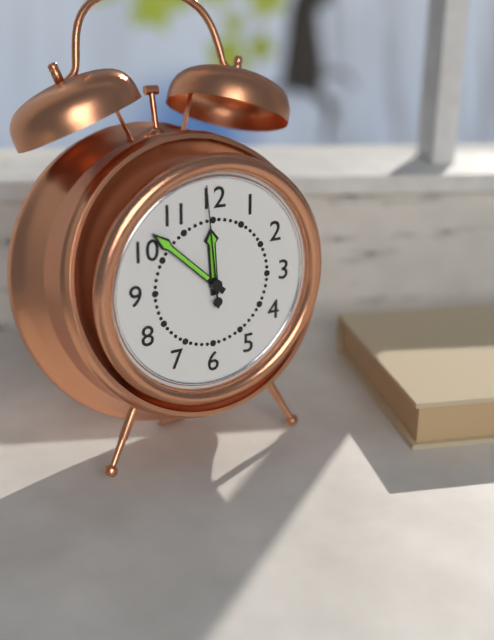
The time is 11 h 52 min 59 s
